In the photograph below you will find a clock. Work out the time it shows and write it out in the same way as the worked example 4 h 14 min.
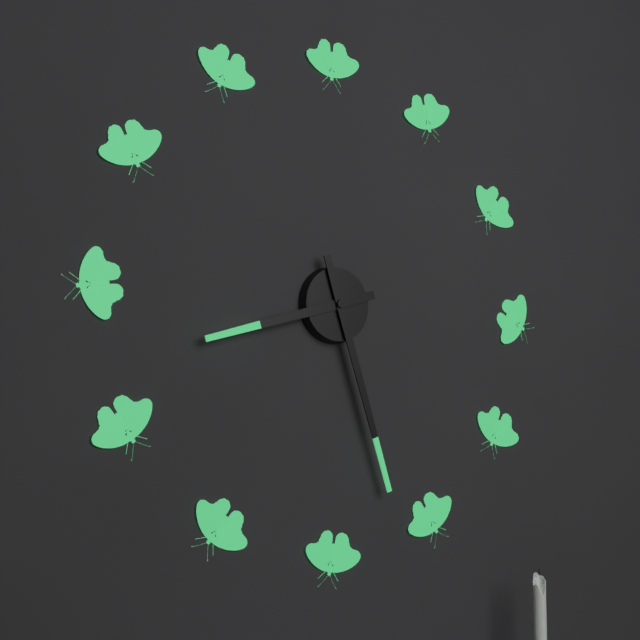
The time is 8 h 27 min
